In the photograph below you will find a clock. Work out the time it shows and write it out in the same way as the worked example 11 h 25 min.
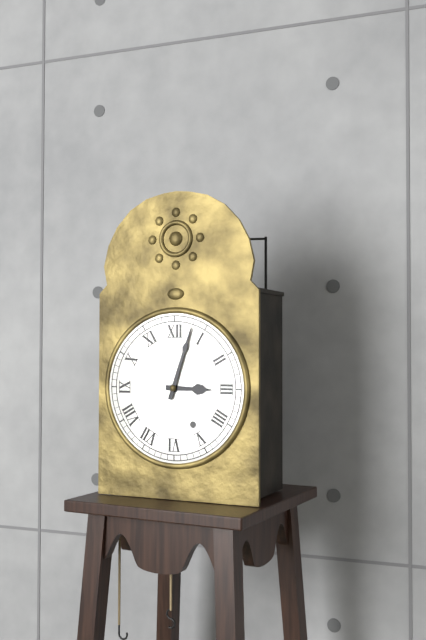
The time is 3 h 03 min
